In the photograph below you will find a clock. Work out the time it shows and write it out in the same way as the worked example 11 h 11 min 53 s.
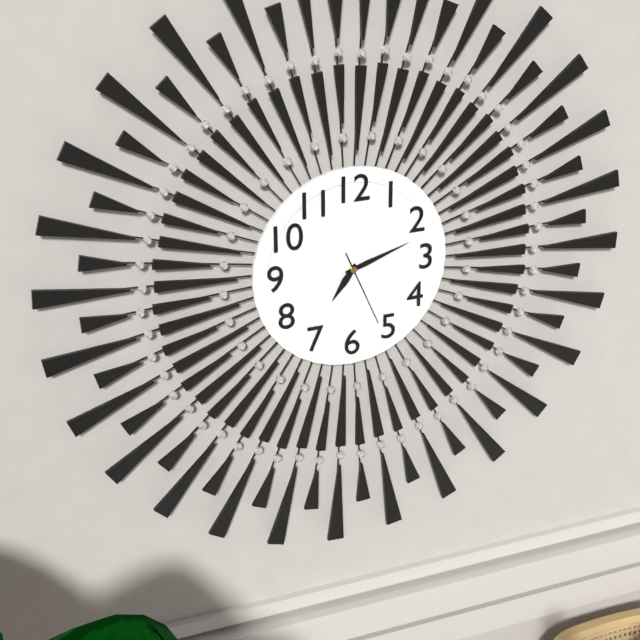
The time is 7 h 12 min 26 s
